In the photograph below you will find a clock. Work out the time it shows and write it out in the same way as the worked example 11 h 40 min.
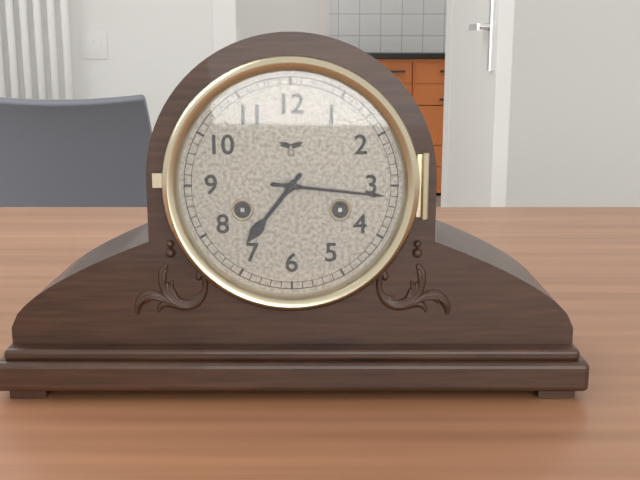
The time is 7 h 16 min
